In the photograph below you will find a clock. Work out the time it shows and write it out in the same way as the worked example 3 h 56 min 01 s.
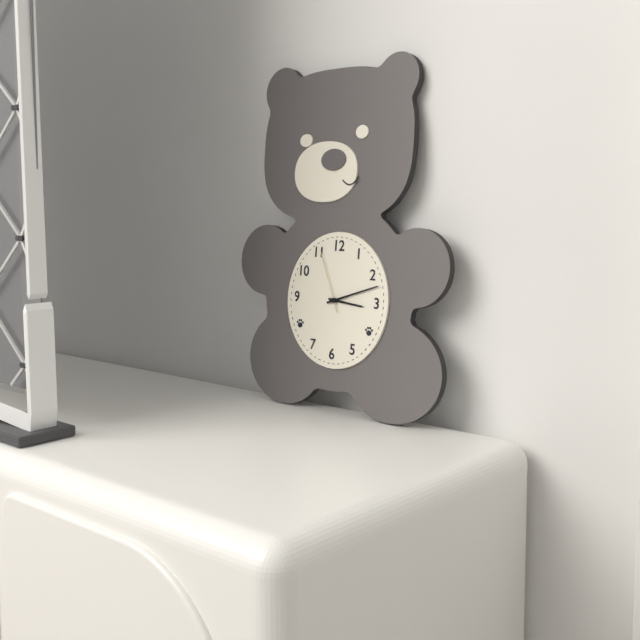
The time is 3 h 12 min 56 s
